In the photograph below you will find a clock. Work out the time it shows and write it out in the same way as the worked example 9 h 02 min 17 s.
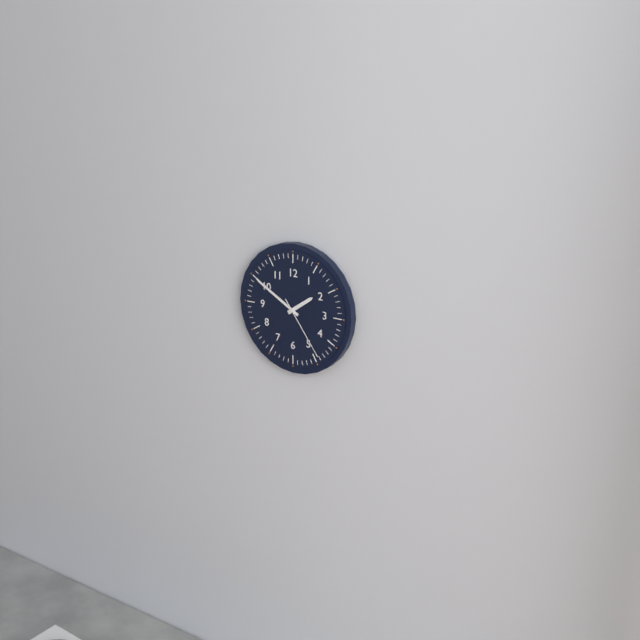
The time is 1 h 50 min 24 s
